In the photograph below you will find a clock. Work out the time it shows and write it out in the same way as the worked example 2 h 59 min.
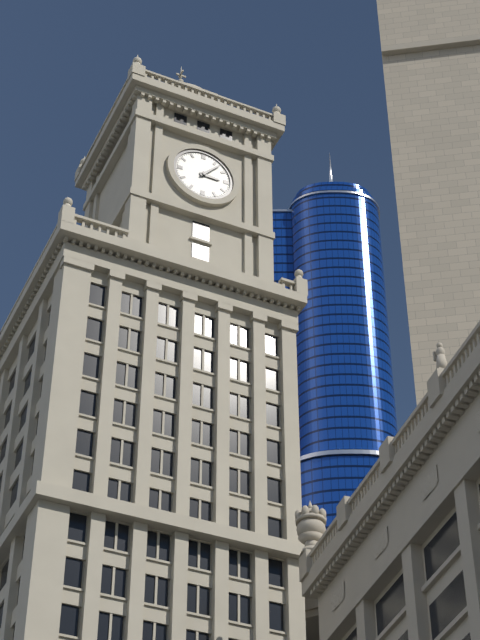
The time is 3 h 07 min
